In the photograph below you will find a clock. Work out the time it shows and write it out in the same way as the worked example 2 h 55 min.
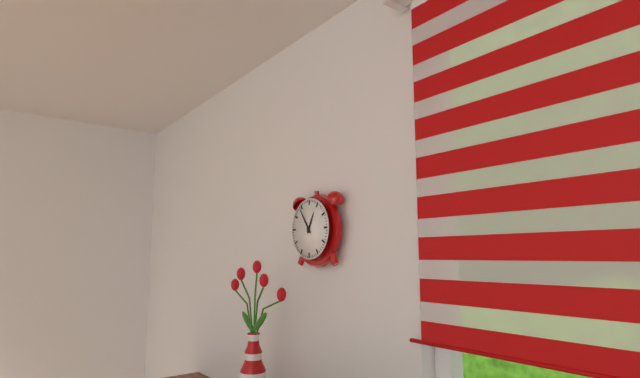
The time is 12 h 54 min
